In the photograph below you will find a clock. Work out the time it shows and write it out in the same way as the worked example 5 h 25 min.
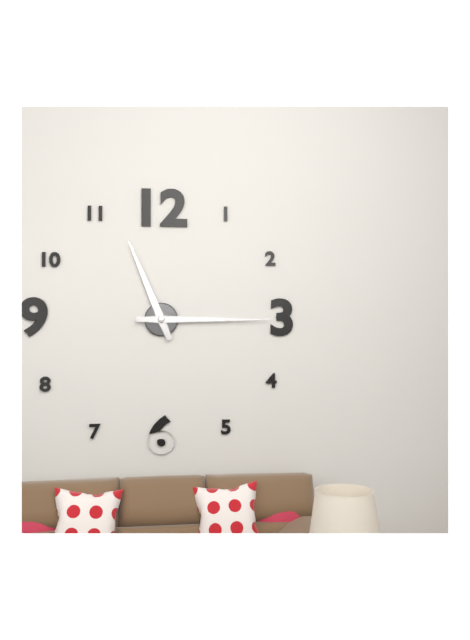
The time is 11 h 15 min
